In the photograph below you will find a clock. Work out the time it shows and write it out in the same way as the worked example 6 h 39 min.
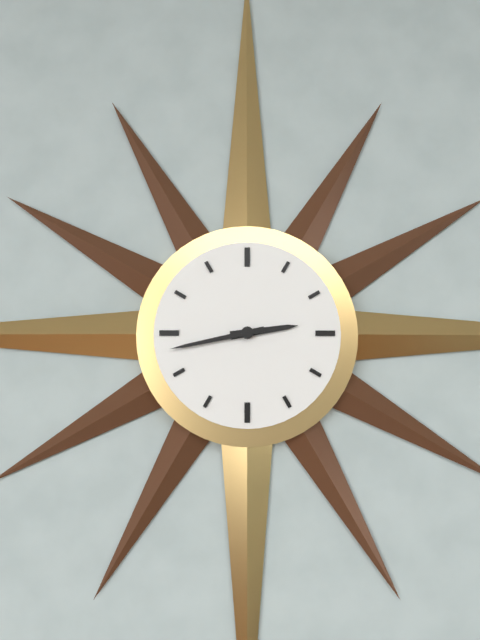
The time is 2 h 43 min
